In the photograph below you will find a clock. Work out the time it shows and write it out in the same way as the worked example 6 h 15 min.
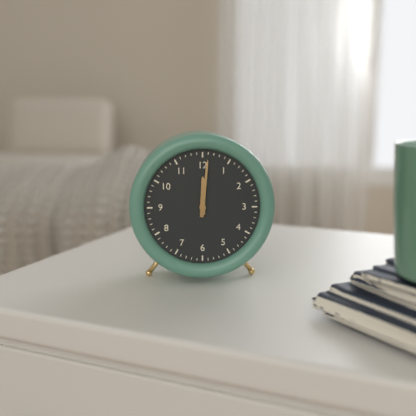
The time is 12 h 01 min
